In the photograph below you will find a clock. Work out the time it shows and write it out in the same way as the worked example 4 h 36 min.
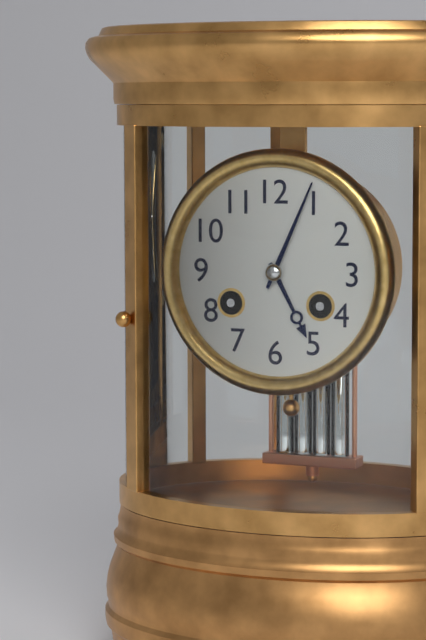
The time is 5 h 04 min
